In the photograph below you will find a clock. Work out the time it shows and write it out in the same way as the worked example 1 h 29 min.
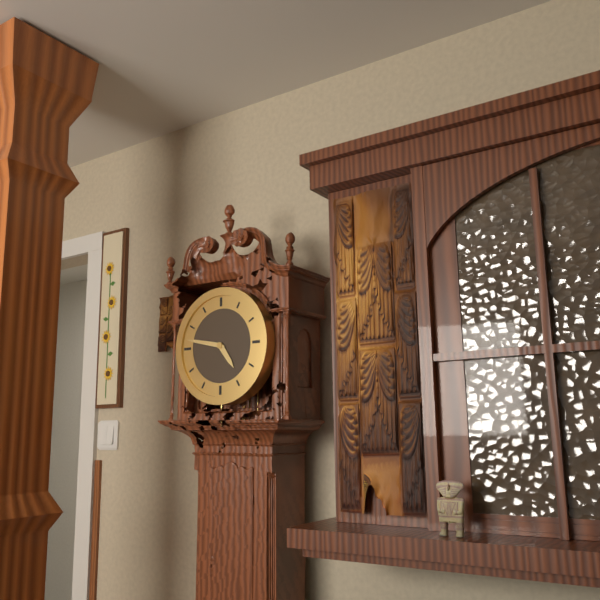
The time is 4 h 47 min
